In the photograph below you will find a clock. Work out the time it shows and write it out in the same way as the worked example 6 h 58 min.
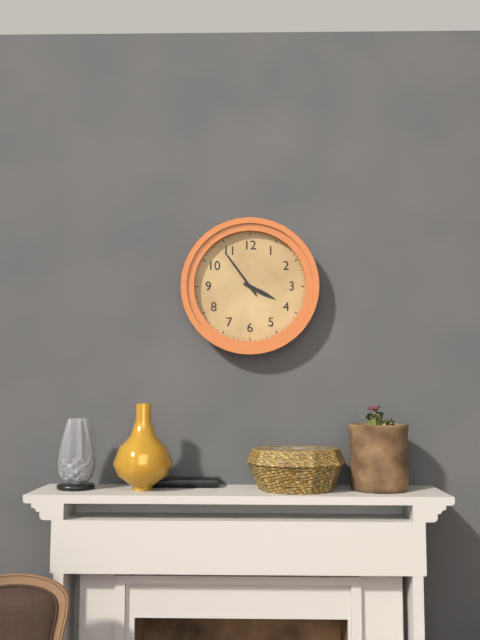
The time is 3 h 54 min
